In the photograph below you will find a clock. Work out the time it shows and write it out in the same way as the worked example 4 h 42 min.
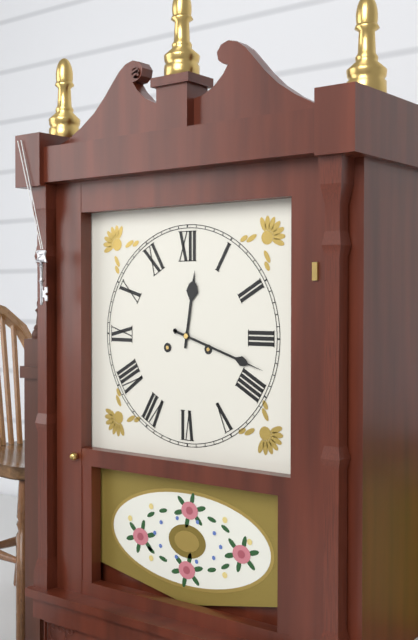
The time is 12 h 18 min
